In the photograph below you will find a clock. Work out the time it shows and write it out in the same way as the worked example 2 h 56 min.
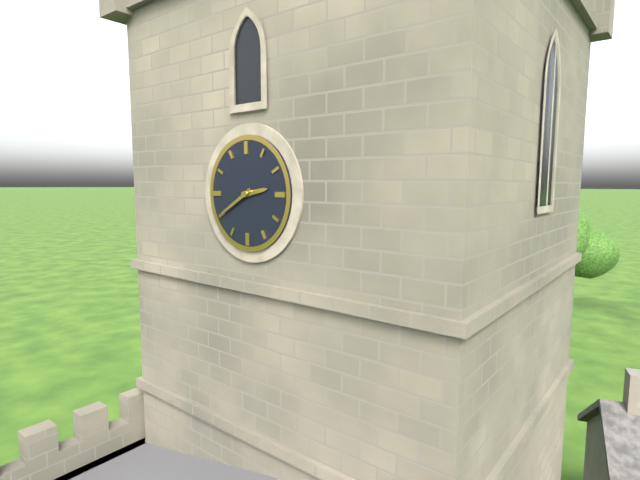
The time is 2 h 40 min
